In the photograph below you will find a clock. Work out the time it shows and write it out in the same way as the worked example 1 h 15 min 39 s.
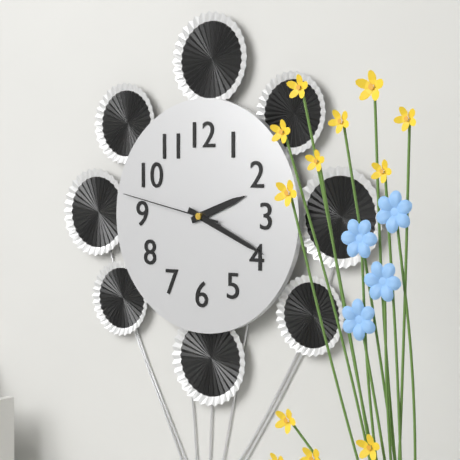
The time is 2 h 19 min 47 s
